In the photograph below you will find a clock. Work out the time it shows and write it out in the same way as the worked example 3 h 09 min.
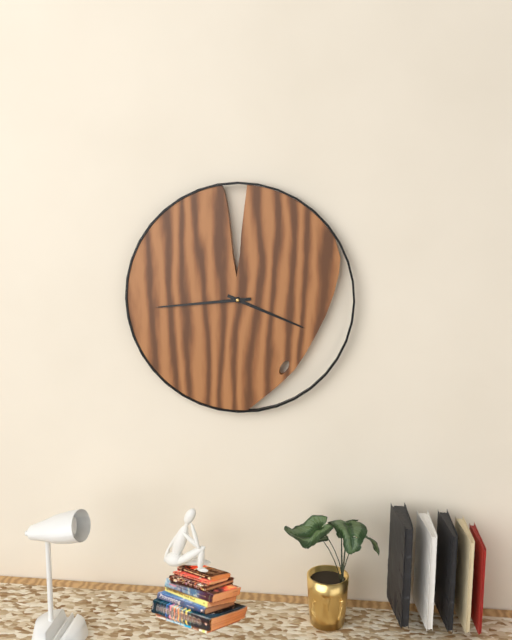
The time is 3 h 44 min
